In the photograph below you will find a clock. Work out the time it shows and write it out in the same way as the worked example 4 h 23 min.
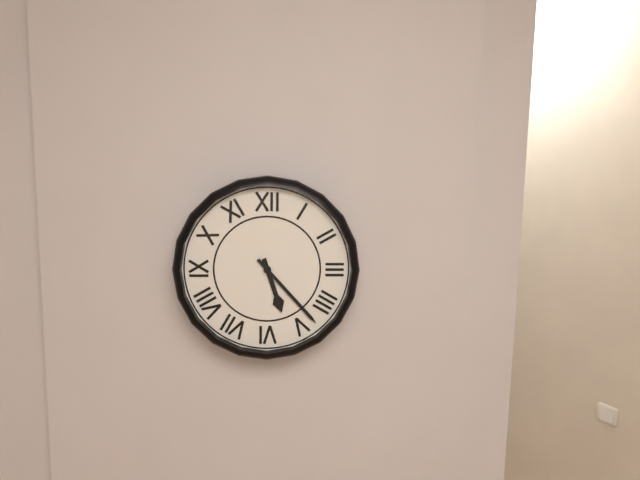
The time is 5 h 23 min
